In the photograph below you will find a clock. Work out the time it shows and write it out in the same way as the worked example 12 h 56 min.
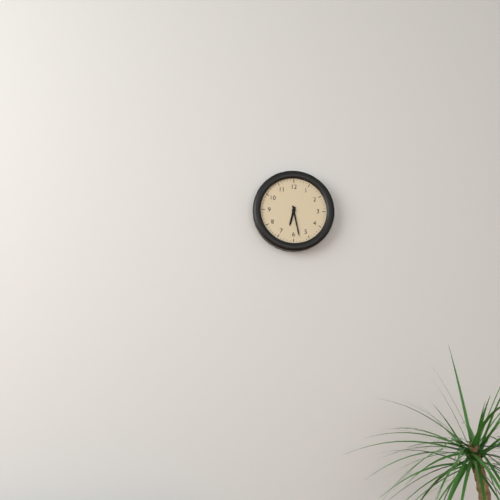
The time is 6 h 28 min
